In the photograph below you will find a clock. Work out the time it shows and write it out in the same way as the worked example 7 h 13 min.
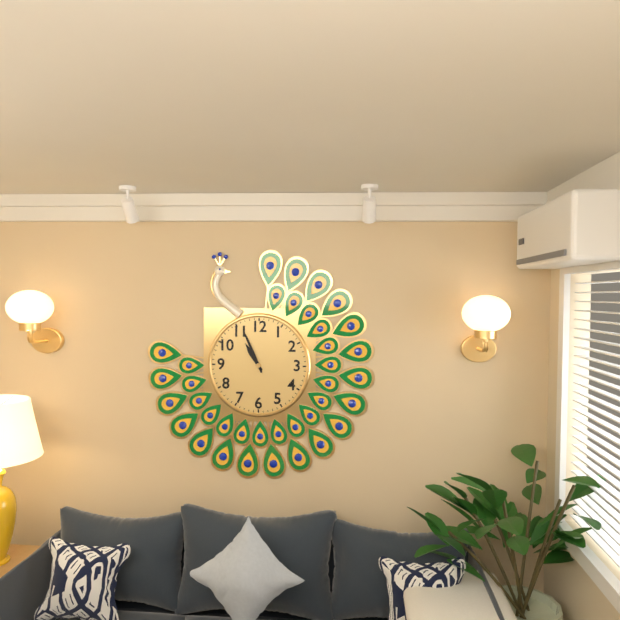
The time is 10 h 56 min
